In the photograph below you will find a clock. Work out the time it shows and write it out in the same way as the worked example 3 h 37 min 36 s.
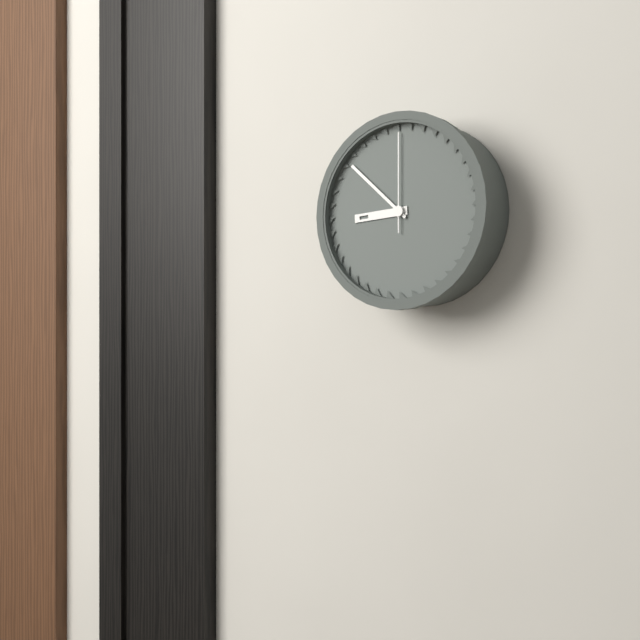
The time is 8 h 52 min 00 s
